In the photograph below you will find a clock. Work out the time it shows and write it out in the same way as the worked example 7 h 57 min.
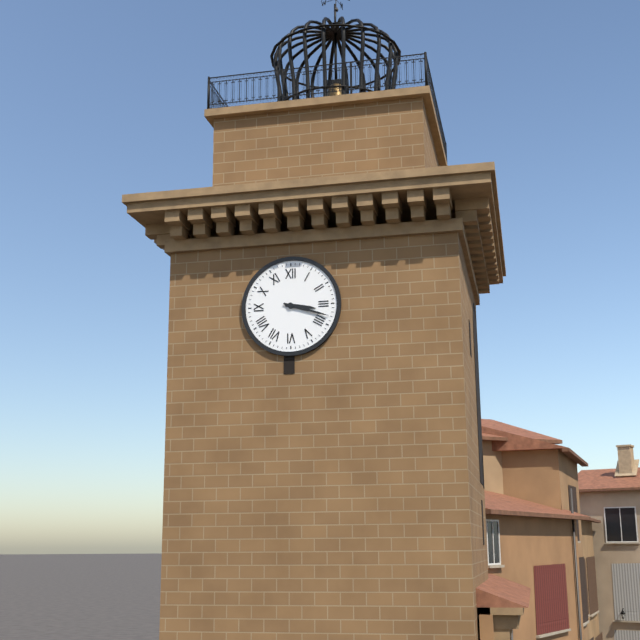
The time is 3 h 18 min
